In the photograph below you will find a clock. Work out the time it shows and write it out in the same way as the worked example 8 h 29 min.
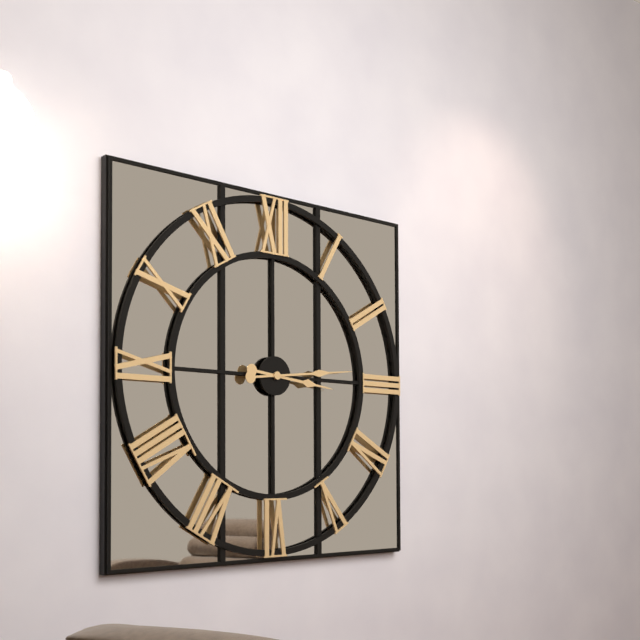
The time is 3 h 14 min
